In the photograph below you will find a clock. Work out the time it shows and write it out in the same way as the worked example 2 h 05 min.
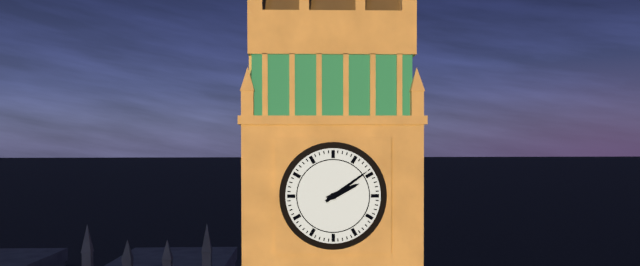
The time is 2 h 09 min
